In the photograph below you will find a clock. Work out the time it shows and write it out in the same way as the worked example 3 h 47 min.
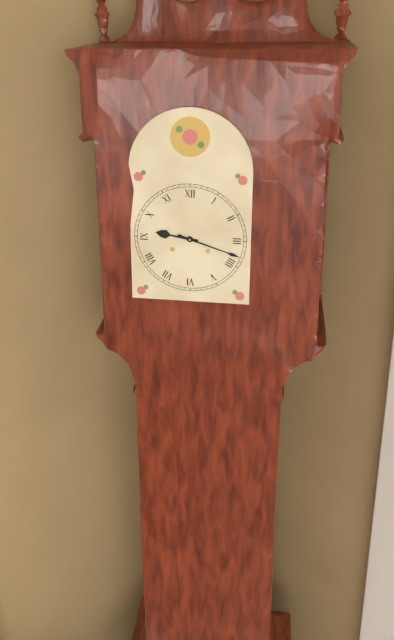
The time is 9 h 18 min
